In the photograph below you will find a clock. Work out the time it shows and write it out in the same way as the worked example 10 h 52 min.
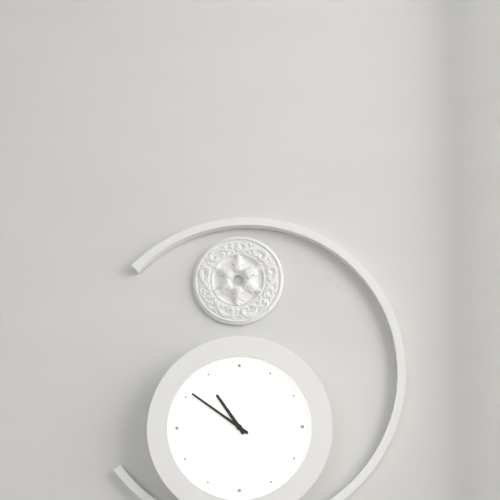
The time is 10 h 51 min
